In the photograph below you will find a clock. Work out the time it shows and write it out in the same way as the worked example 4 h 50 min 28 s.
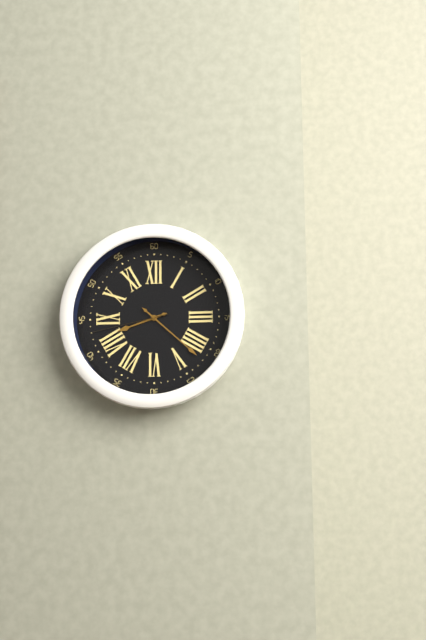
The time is 8 h 22 min 43 s
